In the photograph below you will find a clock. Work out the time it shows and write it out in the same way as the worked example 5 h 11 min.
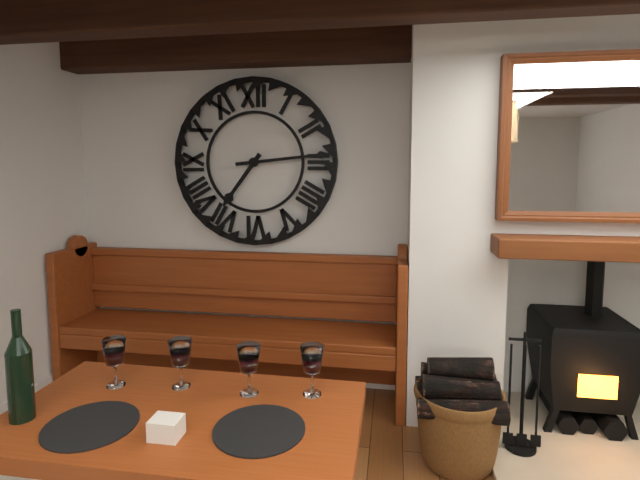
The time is 7 h 14 min
